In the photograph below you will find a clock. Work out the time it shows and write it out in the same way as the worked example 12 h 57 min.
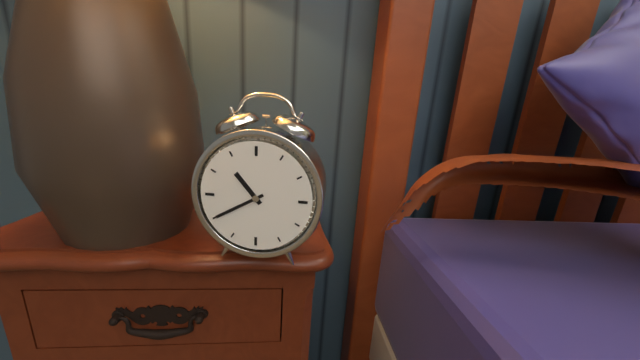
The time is 10 h 40 min
